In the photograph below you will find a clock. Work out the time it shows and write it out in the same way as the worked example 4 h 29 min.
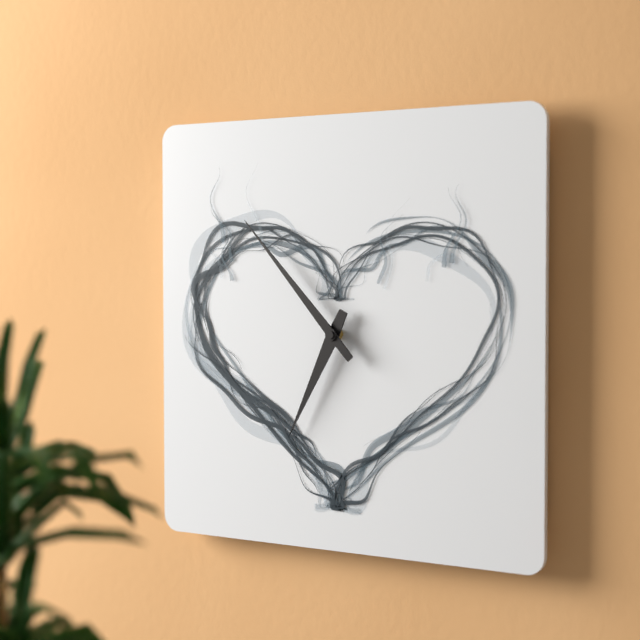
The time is 6 h 53 min
